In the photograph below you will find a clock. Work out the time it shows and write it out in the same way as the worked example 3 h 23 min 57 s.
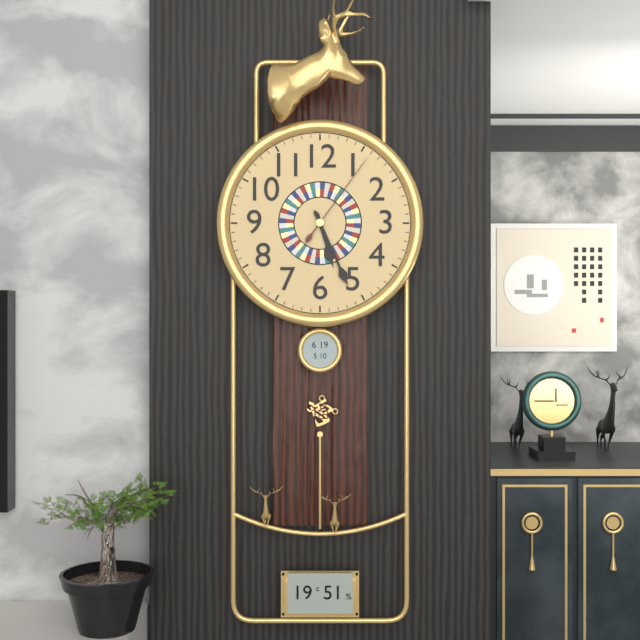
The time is 5 h 26 min 06 s
